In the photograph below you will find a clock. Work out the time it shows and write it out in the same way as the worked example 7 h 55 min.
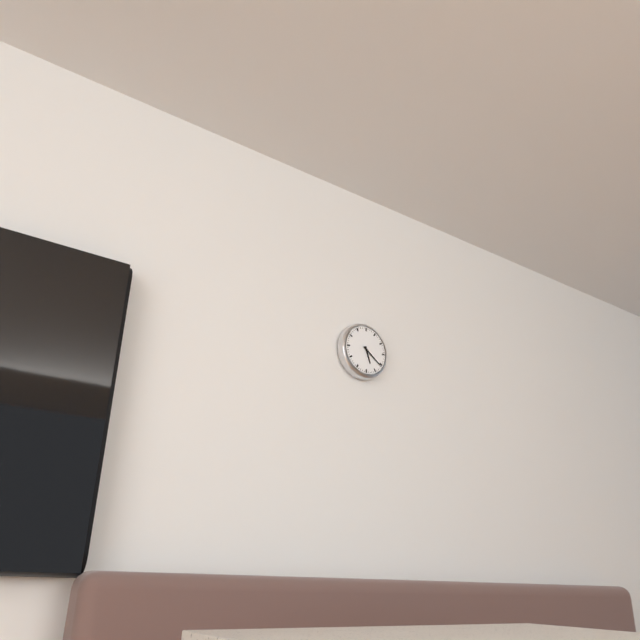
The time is 5 h 21 min
